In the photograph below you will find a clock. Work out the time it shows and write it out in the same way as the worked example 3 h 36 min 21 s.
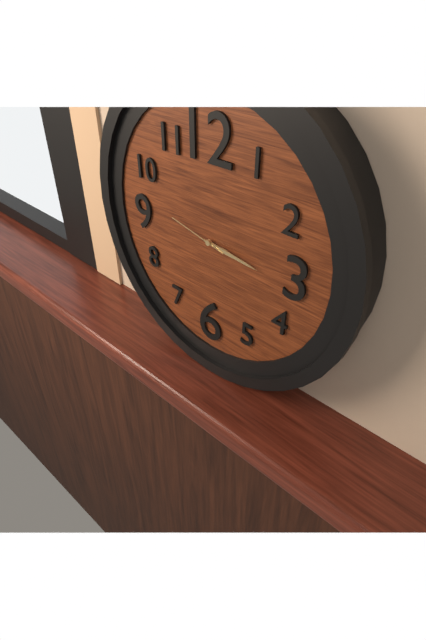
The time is 3 h 16 min 47 s
